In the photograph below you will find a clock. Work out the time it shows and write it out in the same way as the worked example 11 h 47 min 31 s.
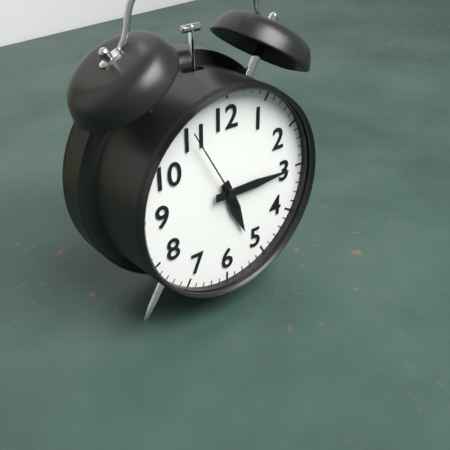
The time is 5 h 15 min 55 s
